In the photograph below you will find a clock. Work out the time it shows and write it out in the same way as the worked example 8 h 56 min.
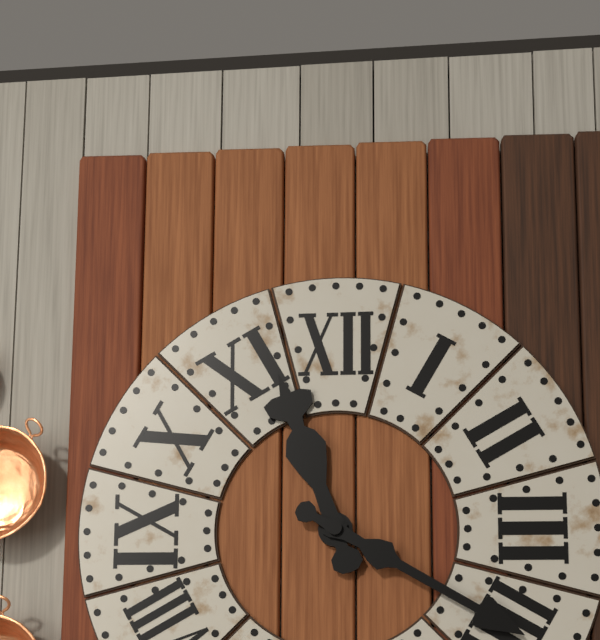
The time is 11 h 20 min
